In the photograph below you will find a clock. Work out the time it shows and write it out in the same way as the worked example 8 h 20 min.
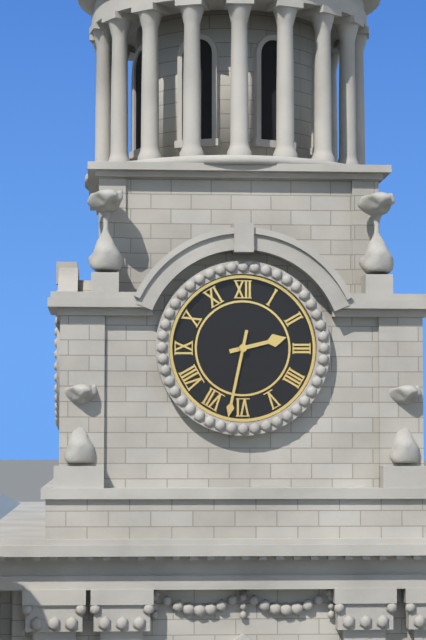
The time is 2 h 32 min
